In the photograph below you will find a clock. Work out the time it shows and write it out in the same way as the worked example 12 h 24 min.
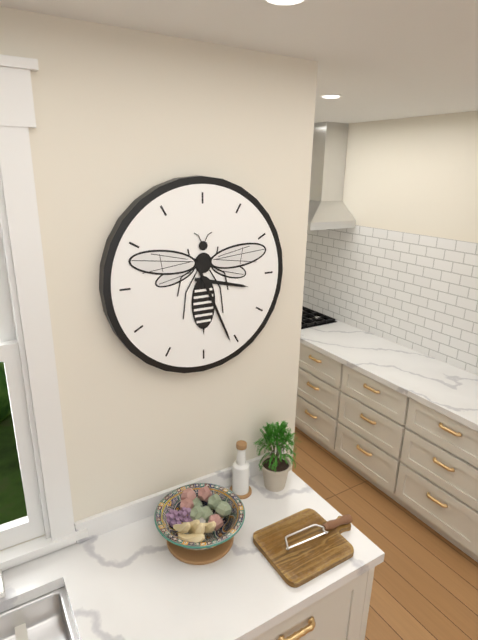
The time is 3 h 26 min
